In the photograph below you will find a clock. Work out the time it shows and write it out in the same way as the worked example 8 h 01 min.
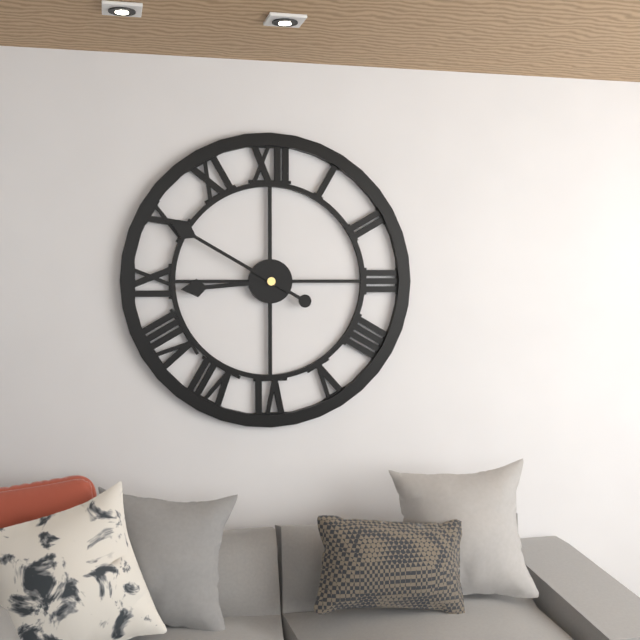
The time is 8 h 50 min
